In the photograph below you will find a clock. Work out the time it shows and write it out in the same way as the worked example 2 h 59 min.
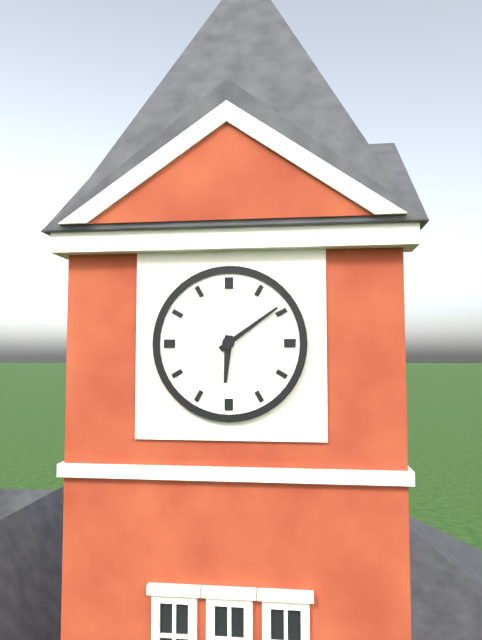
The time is 6 h 09 min
